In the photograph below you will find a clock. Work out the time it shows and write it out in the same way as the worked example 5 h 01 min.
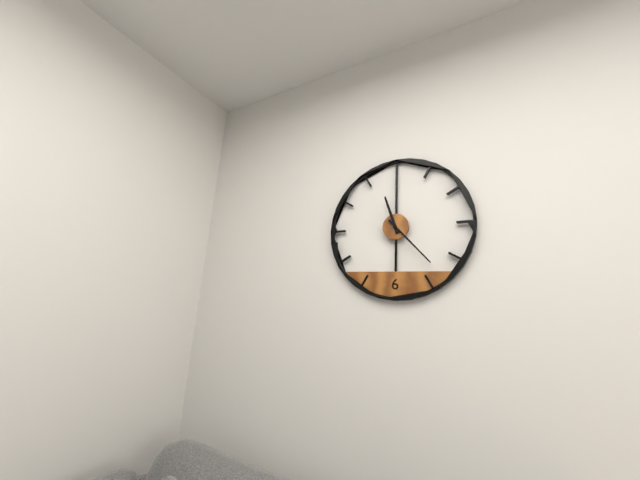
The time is 11 h 23 min
